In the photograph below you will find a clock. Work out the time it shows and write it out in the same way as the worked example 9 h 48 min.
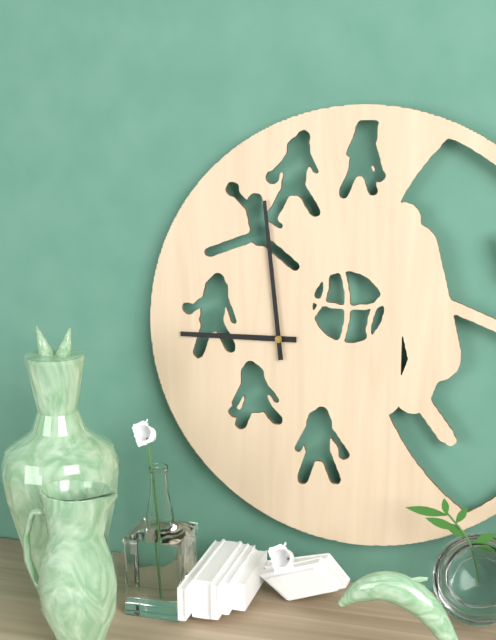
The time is 8 h 59 min
